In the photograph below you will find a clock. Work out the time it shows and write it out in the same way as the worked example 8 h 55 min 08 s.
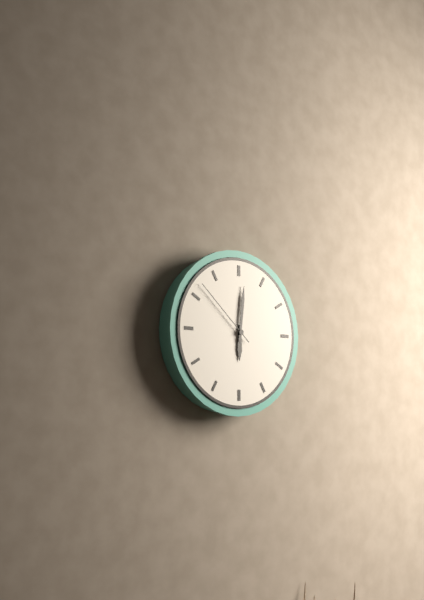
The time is 6 h 01 min 52 s
